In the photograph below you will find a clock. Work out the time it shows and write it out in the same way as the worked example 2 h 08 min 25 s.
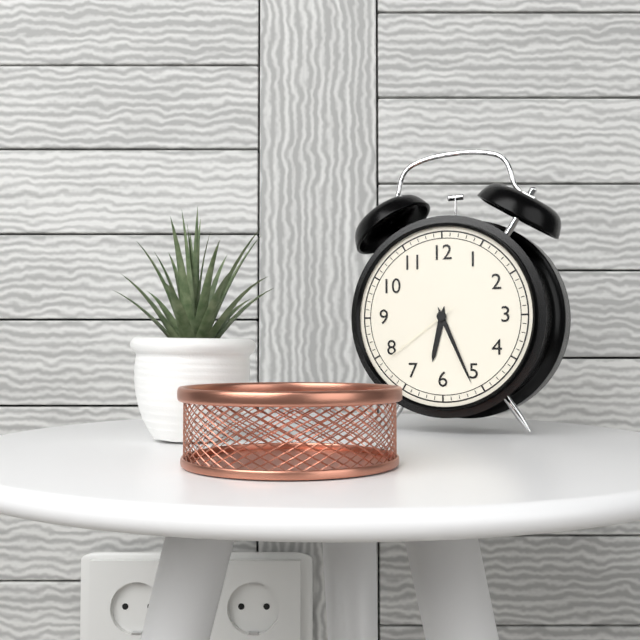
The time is 6 h 26 min 39 s
